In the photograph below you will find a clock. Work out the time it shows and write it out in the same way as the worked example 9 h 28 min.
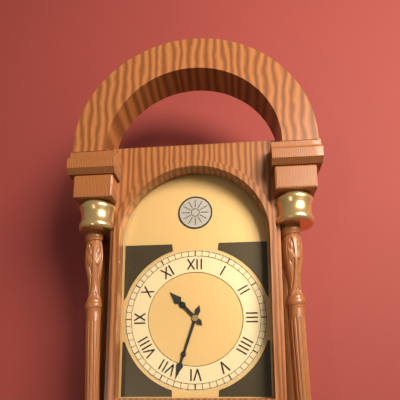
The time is 10 h 33 min
